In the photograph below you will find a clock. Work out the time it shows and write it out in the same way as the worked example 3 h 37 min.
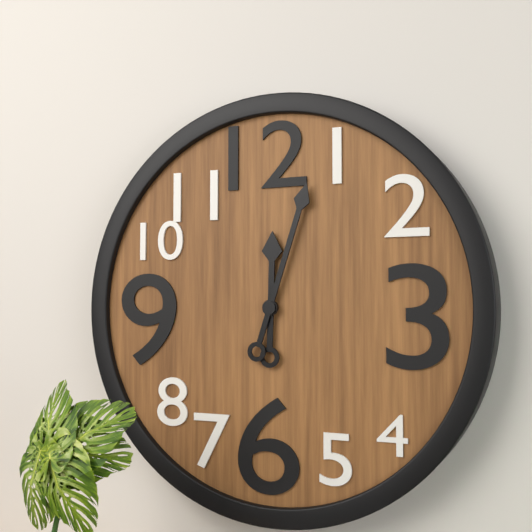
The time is 12 h 03 min
